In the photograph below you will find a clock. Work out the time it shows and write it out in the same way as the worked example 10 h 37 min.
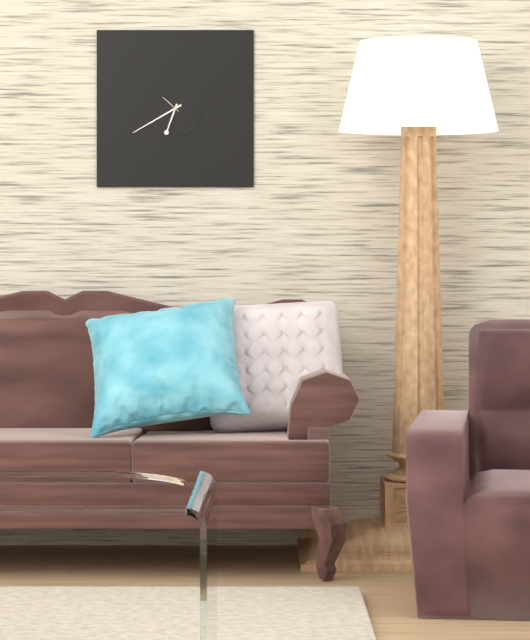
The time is 6 h 40 min
